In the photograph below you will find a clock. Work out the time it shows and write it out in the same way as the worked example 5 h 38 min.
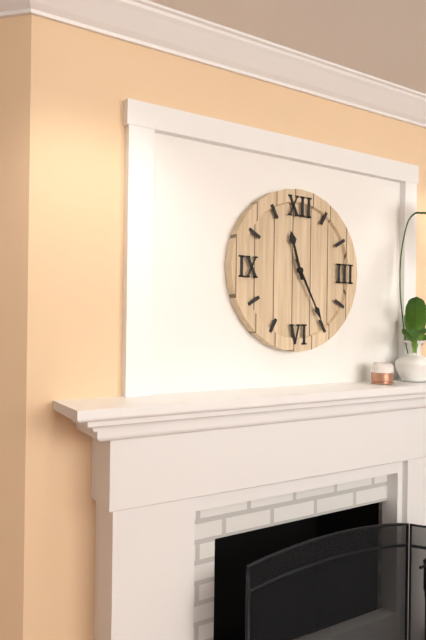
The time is 11 h 25 min
